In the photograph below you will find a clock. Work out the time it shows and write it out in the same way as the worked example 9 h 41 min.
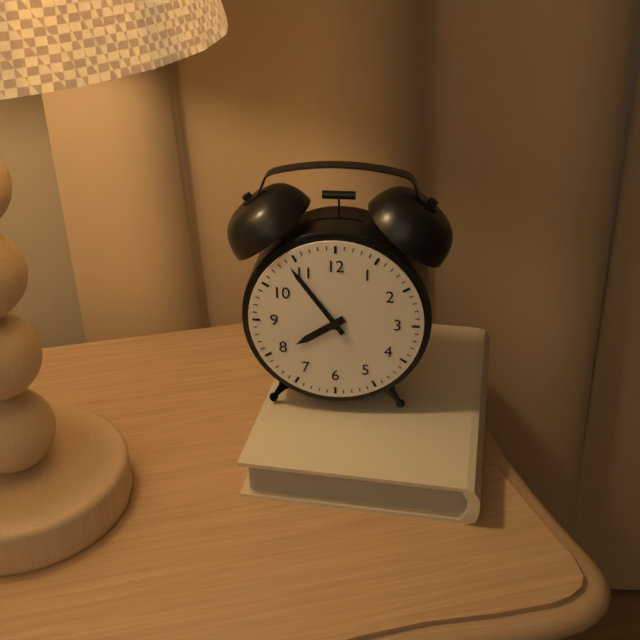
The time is 7 h 54 min
